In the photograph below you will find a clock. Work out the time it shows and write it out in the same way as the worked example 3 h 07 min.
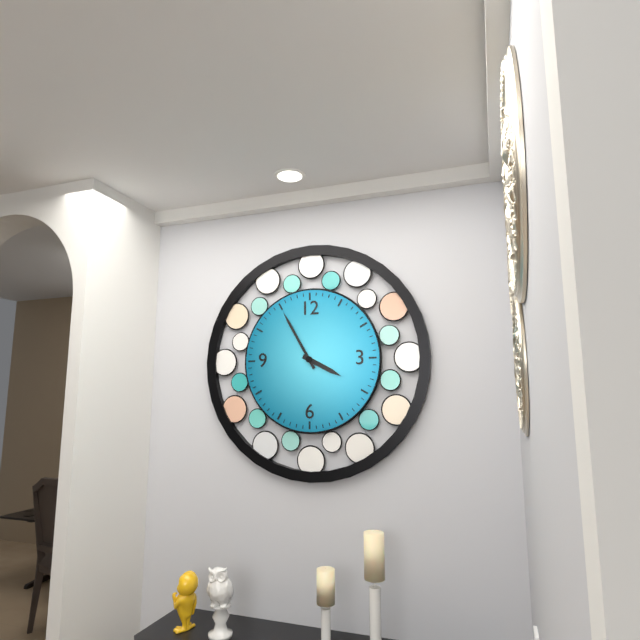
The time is 3 h 55 min
